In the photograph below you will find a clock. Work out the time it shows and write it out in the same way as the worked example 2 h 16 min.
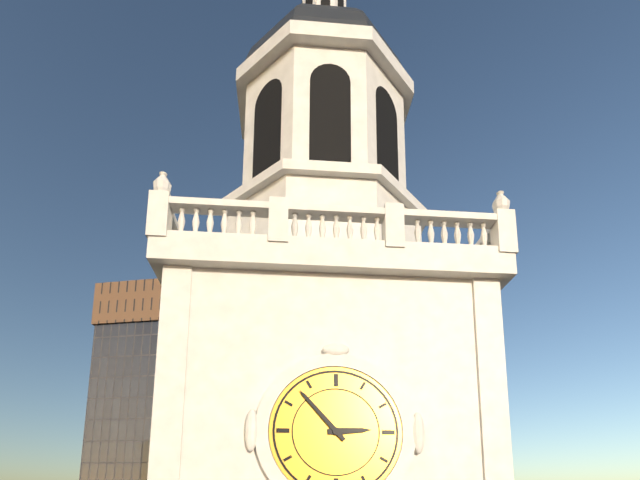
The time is 2 h 53 min
